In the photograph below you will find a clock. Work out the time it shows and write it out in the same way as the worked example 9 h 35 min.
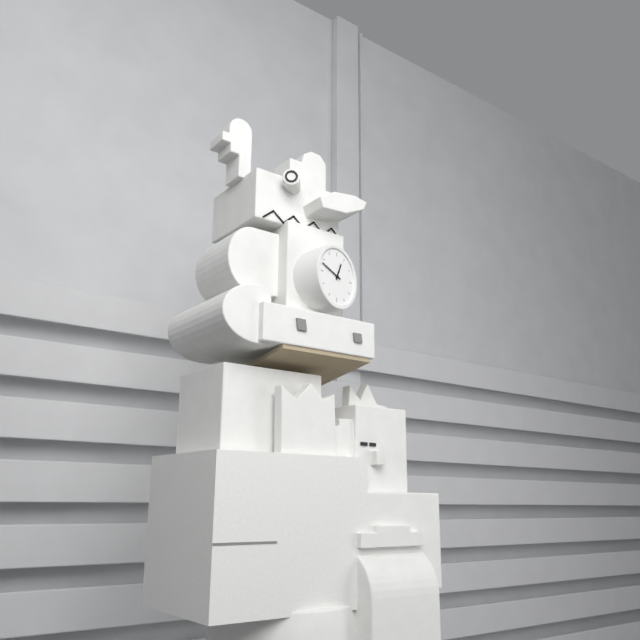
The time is 12 h 48 min
